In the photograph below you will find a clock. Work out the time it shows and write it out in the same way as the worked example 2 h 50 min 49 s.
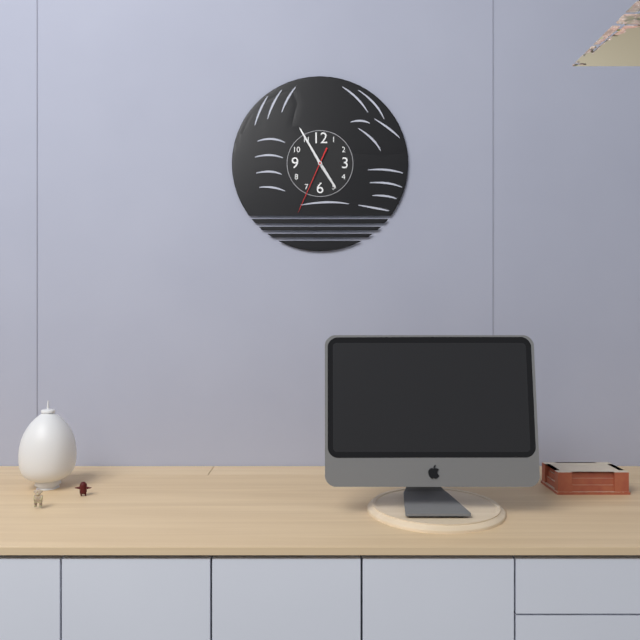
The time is 4 h 55 min 34 s
